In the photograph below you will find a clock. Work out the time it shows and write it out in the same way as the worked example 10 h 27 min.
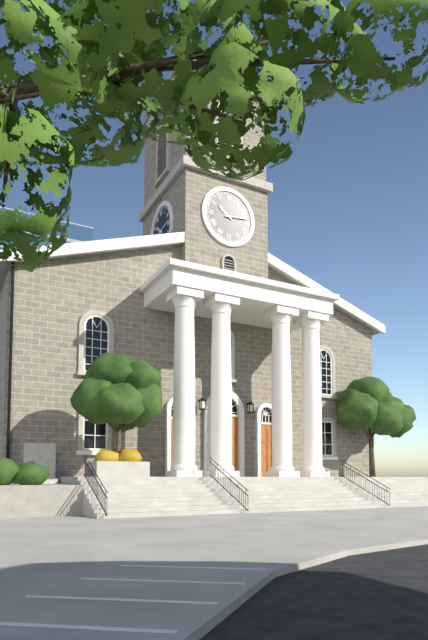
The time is 10 h 14 min
